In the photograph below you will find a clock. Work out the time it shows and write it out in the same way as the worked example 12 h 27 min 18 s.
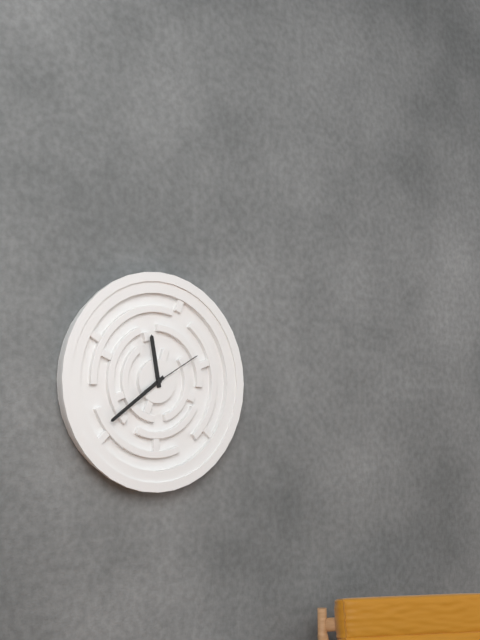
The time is 11 h 39 min 10 s
